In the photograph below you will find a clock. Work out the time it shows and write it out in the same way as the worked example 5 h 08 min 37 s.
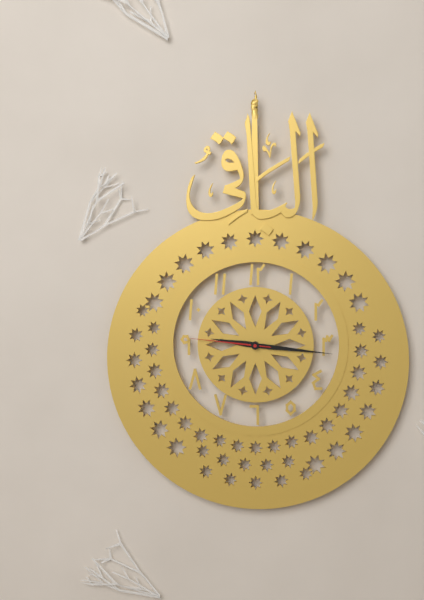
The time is 9 h 16 min 46 s
